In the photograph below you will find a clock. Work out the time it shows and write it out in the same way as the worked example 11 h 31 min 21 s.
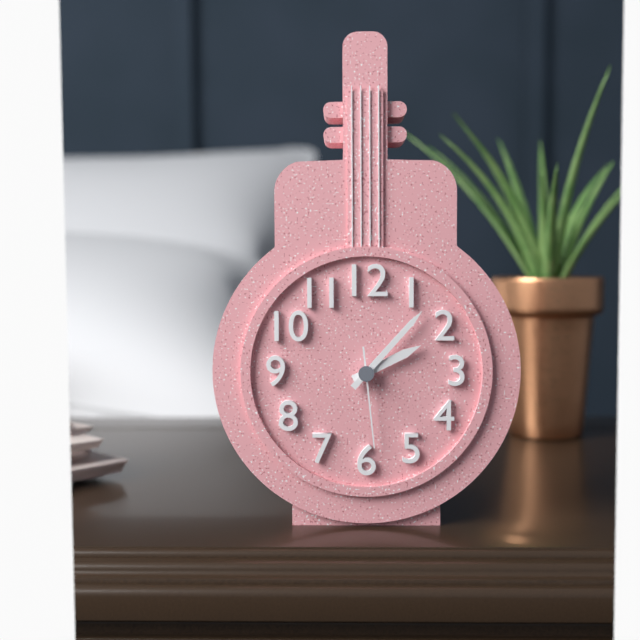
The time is 2 h 07 min 29 s
